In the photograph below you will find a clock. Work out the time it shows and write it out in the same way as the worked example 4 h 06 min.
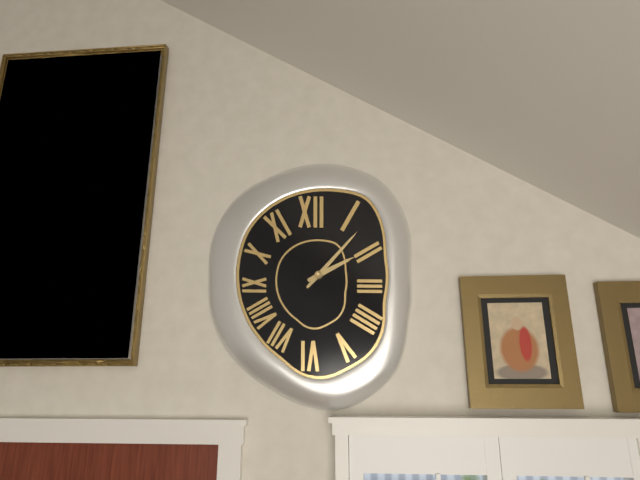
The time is 2 h 07 min
